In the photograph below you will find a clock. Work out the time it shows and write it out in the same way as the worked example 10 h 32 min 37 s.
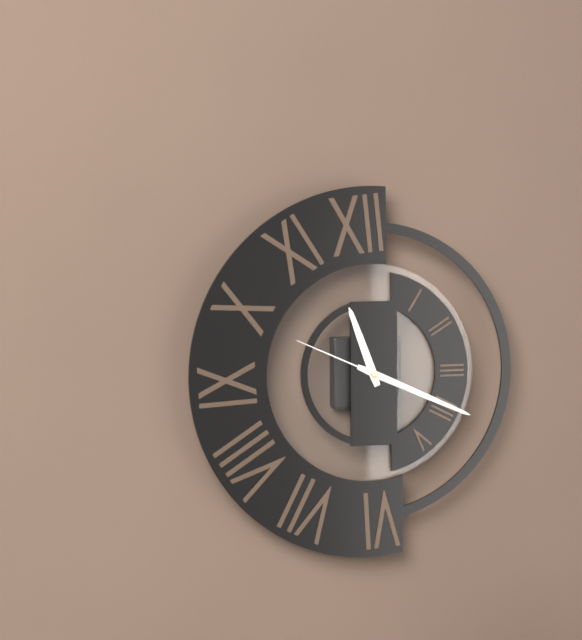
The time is 11 h 19 min 49 s
